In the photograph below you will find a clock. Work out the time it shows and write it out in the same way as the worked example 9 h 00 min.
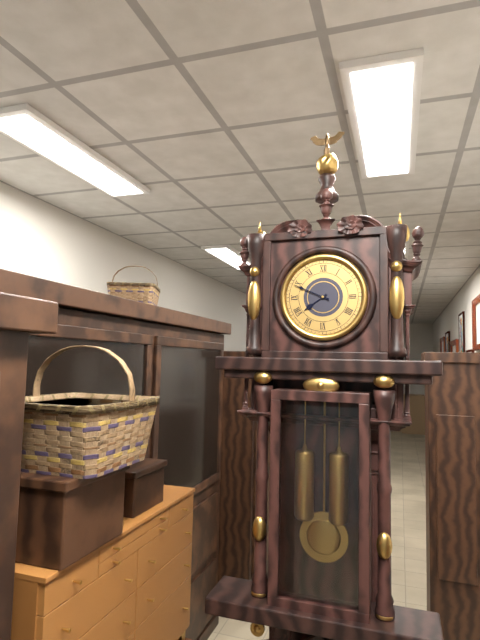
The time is 7 h 49 min
